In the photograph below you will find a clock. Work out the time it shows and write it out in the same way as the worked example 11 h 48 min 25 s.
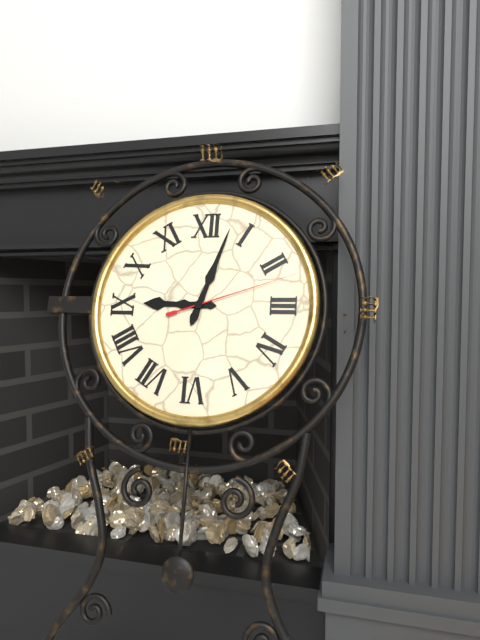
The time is 9 h 03 min 12 s
